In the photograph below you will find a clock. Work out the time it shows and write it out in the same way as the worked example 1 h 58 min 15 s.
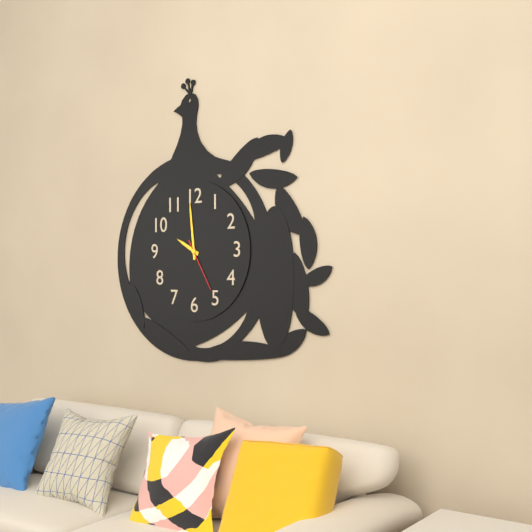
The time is 9 h 59 min 25 s
